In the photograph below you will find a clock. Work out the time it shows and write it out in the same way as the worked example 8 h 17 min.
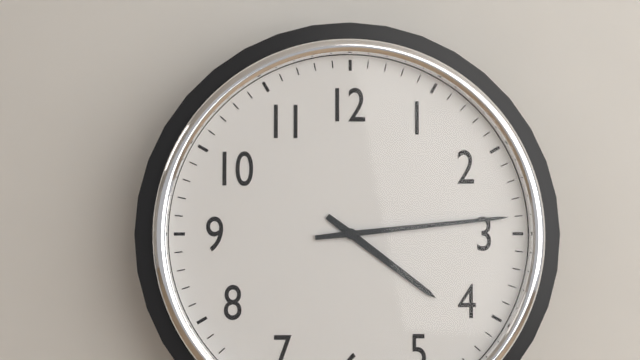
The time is 4 h 14 min
